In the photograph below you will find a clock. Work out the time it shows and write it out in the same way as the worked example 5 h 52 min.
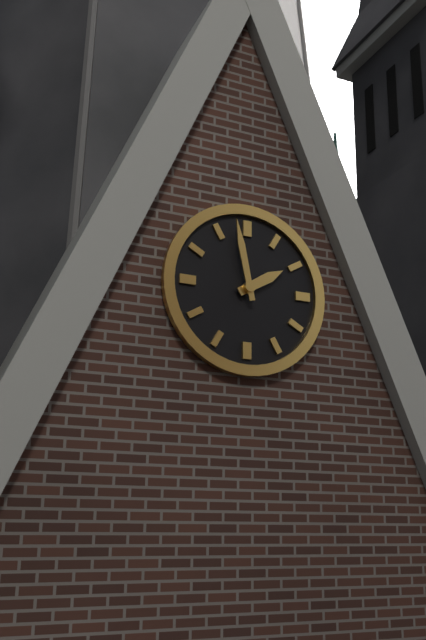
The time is 1 h 58 min
